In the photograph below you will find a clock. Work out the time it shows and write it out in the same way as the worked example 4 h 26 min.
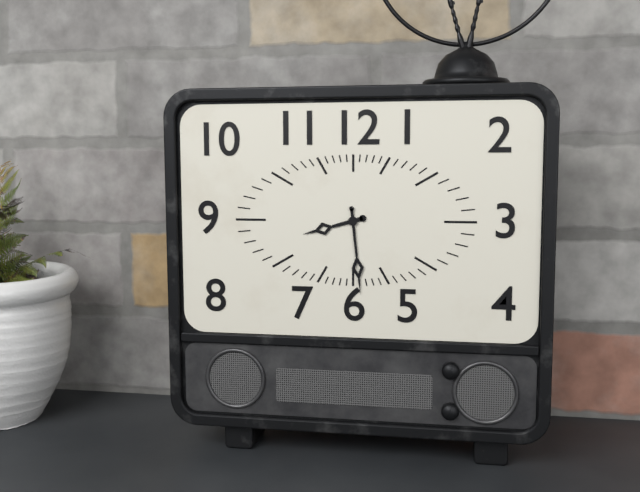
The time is 8 h 29 min
